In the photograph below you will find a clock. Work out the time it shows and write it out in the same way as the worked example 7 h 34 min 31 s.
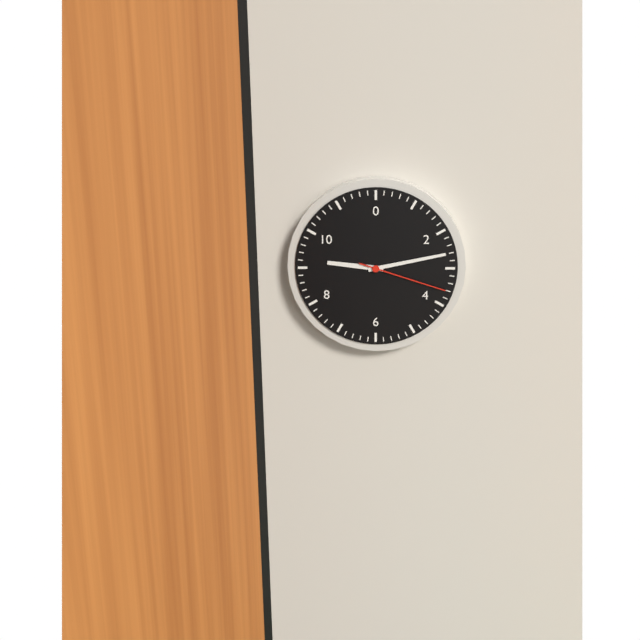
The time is 9 h 13 min 18 s
